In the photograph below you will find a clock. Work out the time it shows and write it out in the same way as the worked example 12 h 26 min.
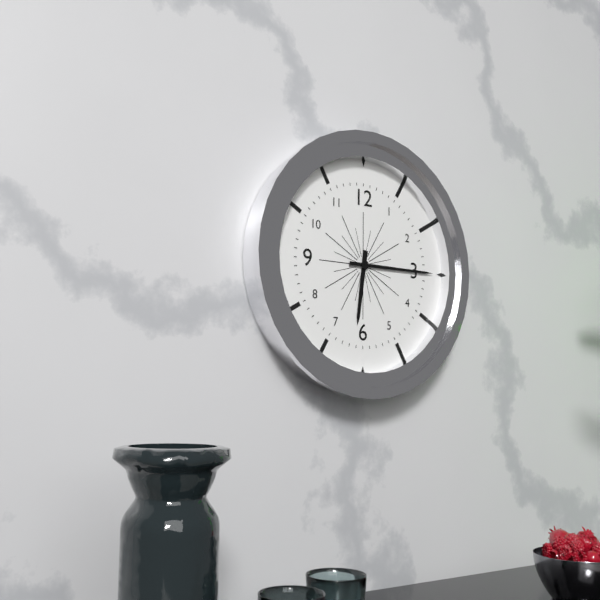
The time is 6 h 15 min
